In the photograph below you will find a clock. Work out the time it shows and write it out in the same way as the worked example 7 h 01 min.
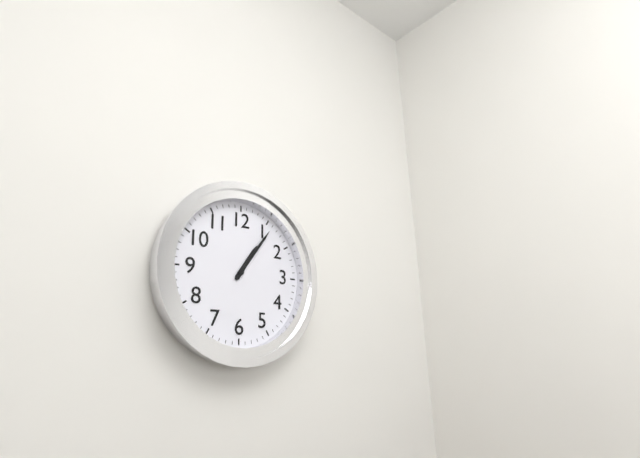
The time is 1 h 06 min
